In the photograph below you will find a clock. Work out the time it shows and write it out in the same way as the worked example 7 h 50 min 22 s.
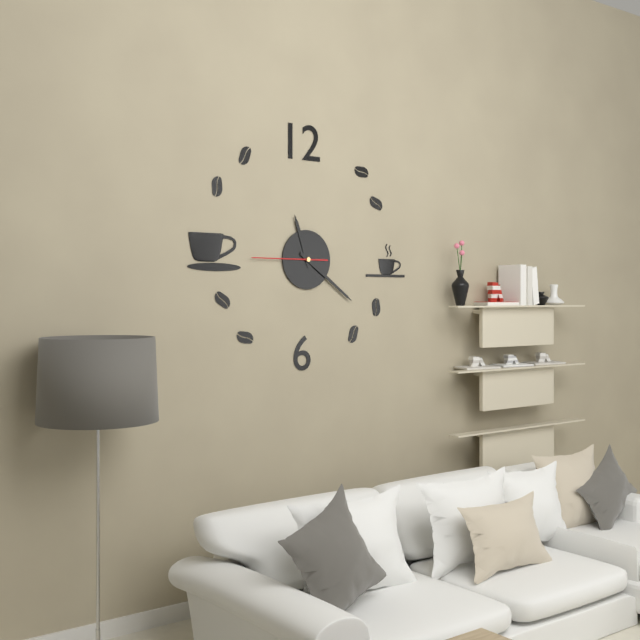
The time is 11 h 21 min 45 s
